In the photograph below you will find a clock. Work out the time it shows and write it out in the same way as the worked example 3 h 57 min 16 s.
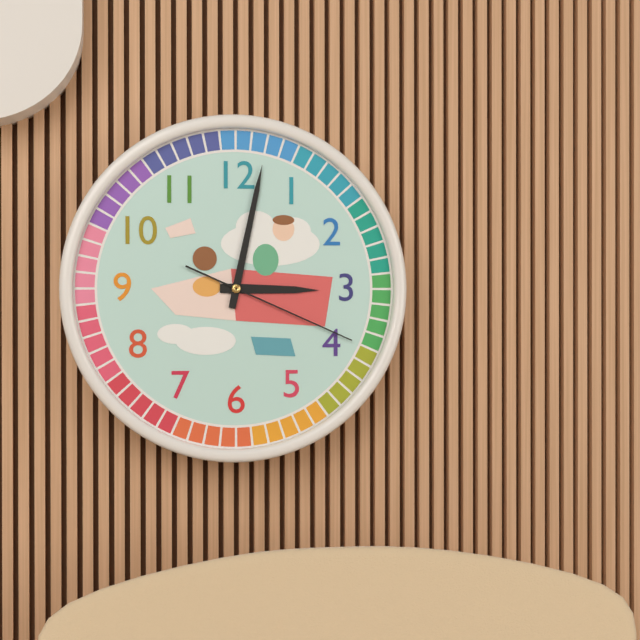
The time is 3 h 02 min 19 s
